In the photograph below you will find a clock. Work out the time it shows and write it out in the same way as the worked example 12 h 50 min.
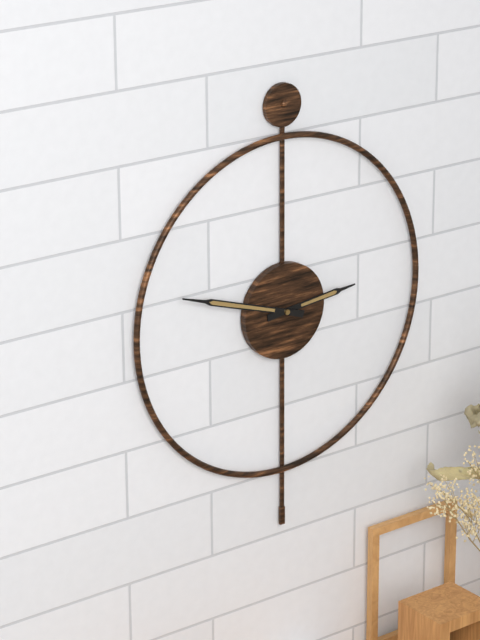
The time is 2 h 48 min
